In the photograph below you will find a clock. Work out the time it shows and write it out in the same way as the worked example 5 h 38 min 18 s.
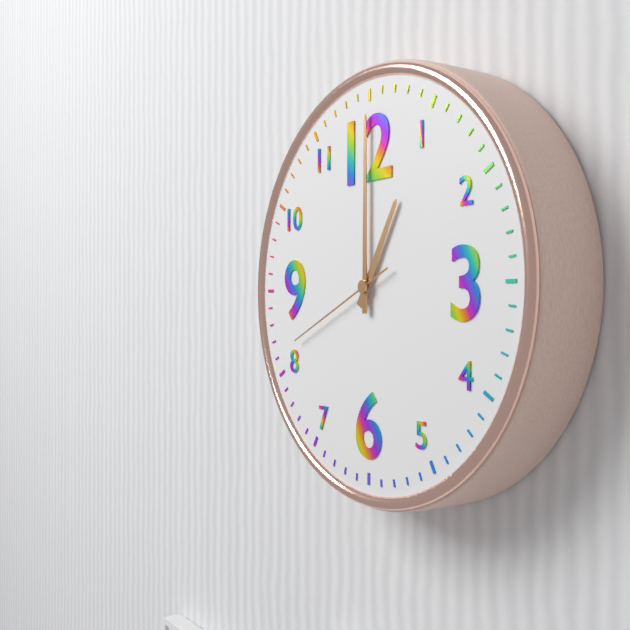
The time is 1 h 00 min 41 s
